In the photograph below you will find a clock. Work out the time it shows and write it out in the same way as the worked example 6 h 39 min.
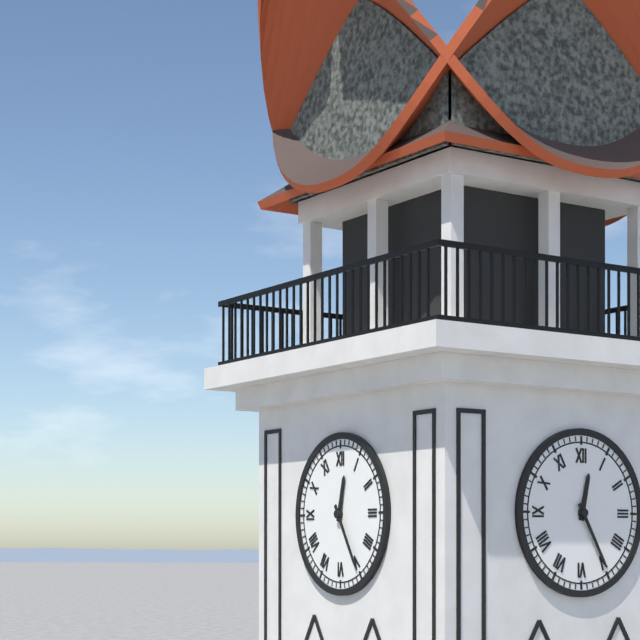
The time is 12 h 25 min
